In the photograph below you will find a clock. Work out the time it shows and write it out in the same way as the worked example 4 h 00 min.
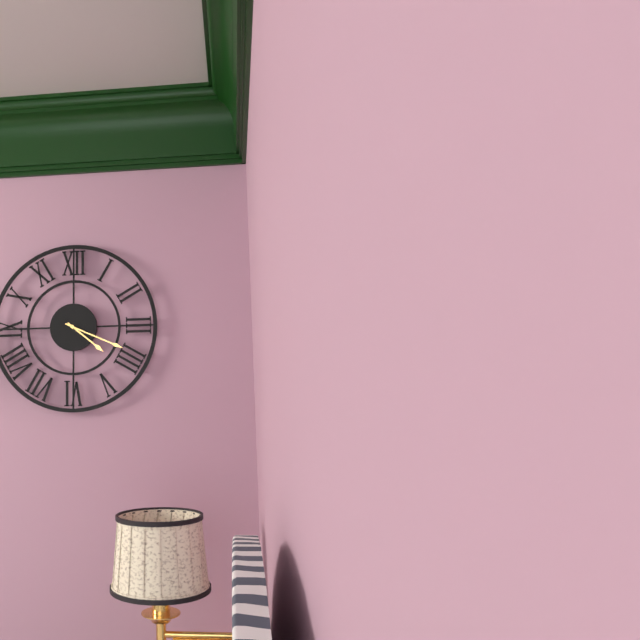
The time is 4 h 19 min
